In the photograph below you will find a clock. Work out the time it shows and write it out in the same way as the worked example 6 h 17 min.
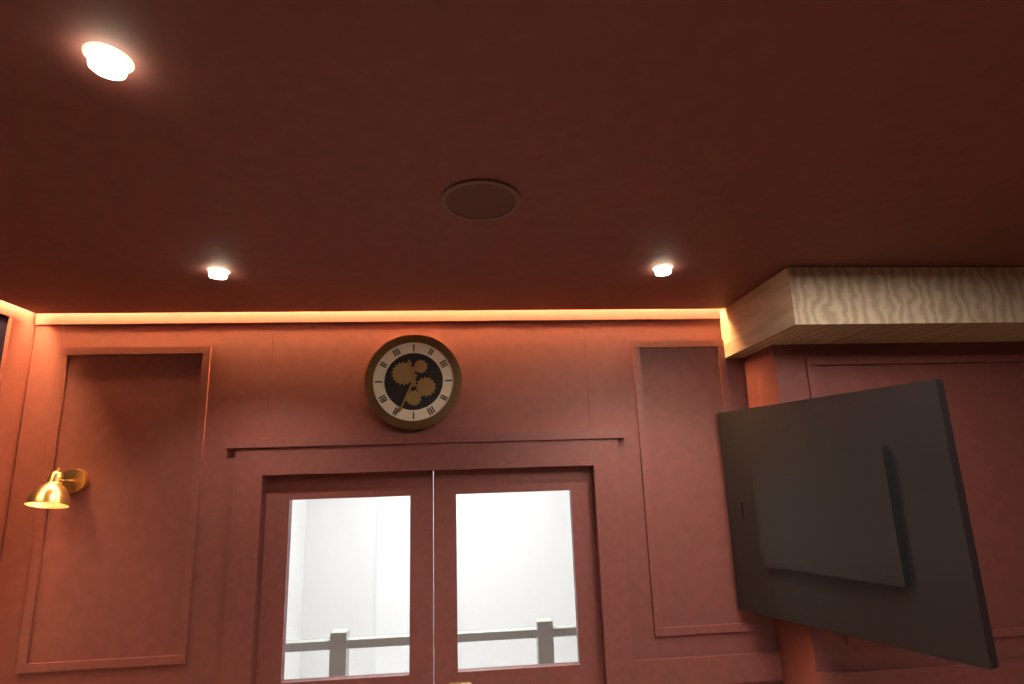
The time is 11 h 34 min
